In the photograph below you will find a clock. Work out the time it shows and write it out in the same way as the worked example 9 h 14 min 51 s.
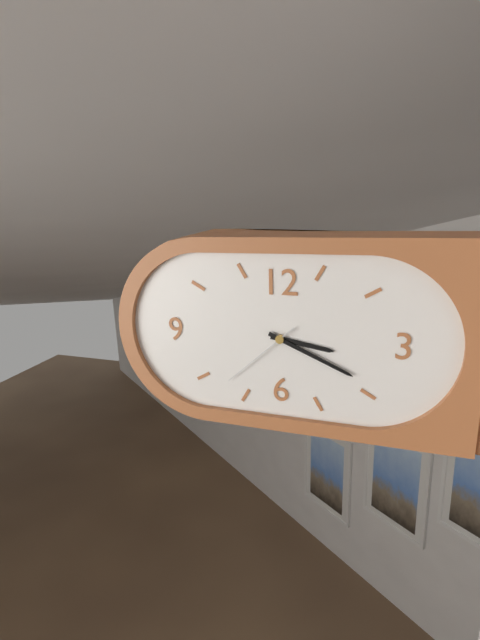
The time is 3 h 19 min 38 s
